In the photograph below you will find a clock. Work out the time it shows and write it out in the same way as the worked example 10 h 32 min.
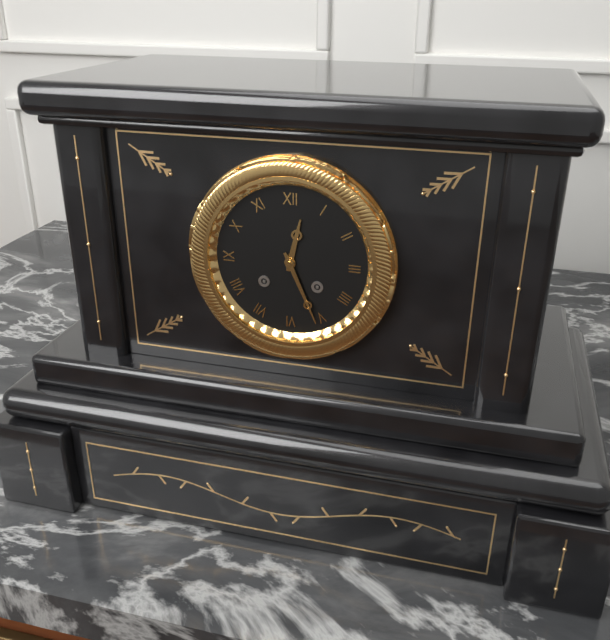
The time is 12 h 26 min
